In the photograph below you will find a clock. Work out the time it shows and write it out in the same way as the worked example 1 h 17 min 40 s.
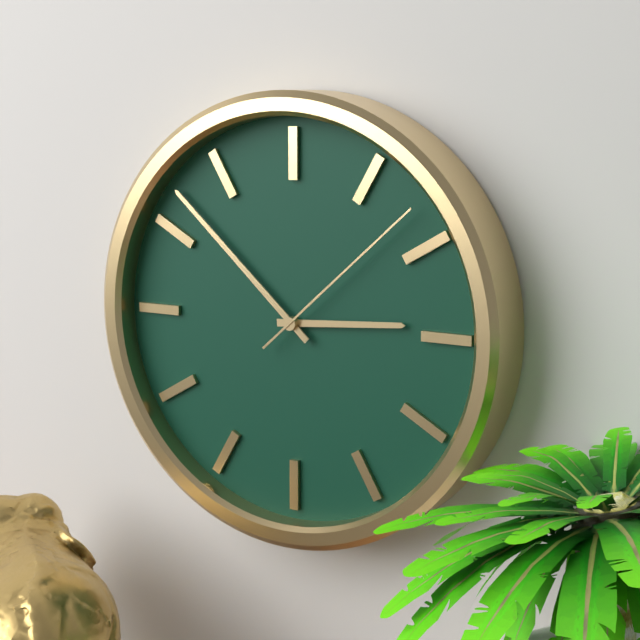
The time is 2 h 52 min 08 s
